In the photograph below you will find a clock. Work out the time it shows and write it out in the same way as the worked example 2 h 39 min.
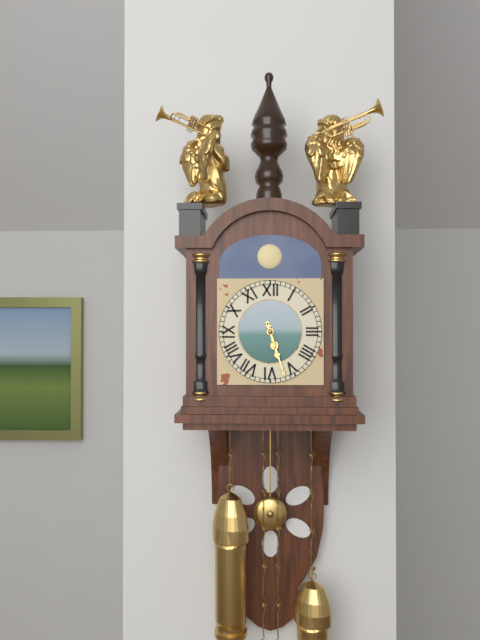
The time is 5 h 27 min
